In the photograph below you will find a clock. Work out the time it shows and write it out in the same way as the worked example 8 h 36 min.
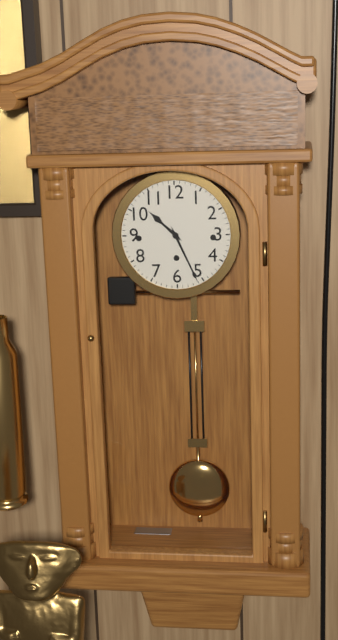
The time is 10 h 26 min
